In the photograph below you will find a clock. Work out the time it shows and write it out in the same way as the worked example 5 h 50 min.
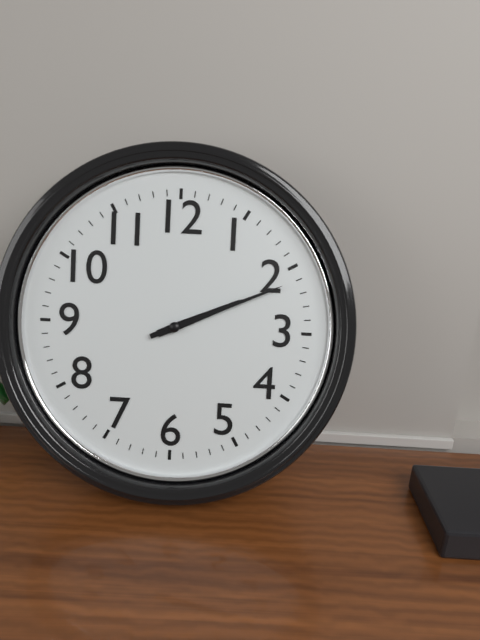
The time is 2 h 11 min
